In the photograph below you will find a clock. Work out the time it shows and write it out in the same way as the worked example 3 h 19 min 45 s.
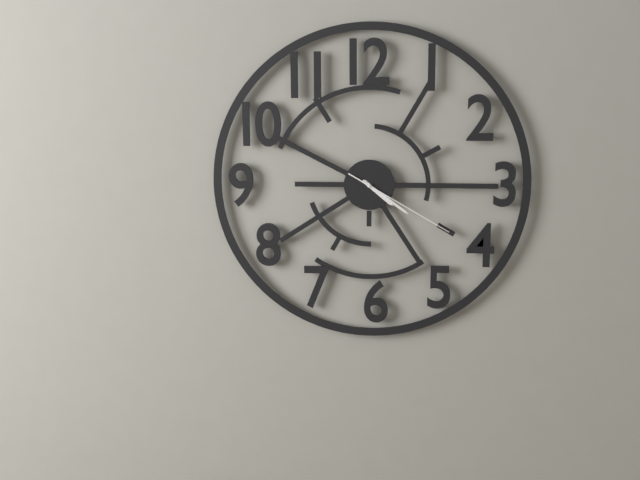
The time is 4 h 21 min 20 s
